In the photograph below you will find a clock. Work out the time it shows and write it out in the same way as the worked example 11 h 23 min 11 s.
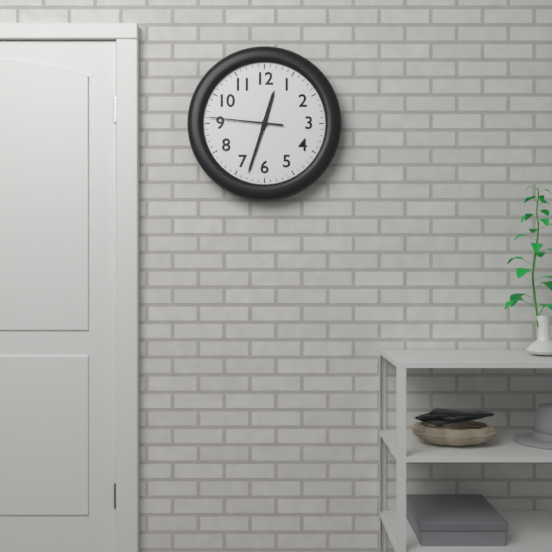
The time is 12 h 33 min 46 s
